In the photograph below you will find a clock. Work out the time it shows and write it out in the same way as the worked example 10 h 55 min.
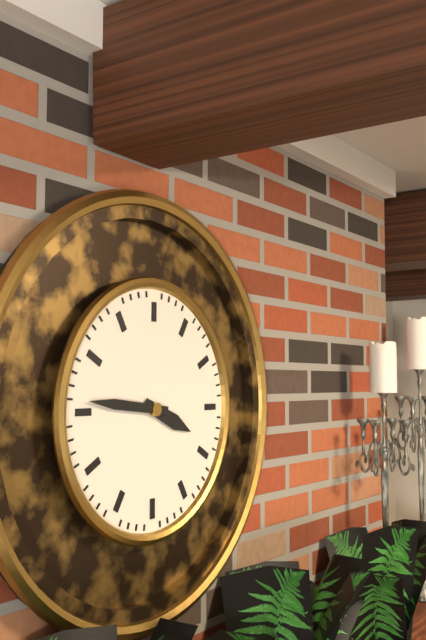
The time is 3 h 46 min
